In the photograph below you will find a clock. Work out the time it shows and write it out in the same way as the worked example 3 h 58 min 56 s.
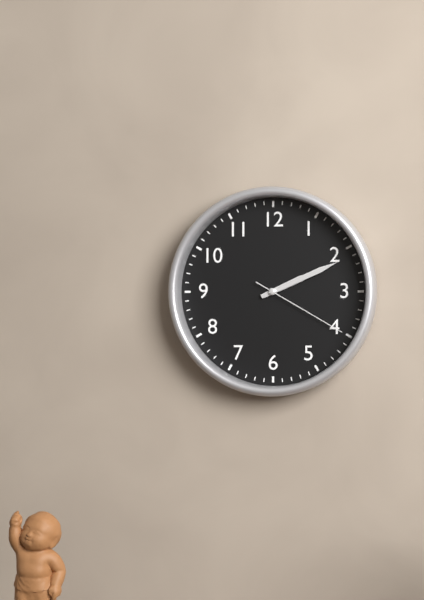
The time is 2 h 11 min 20 s
